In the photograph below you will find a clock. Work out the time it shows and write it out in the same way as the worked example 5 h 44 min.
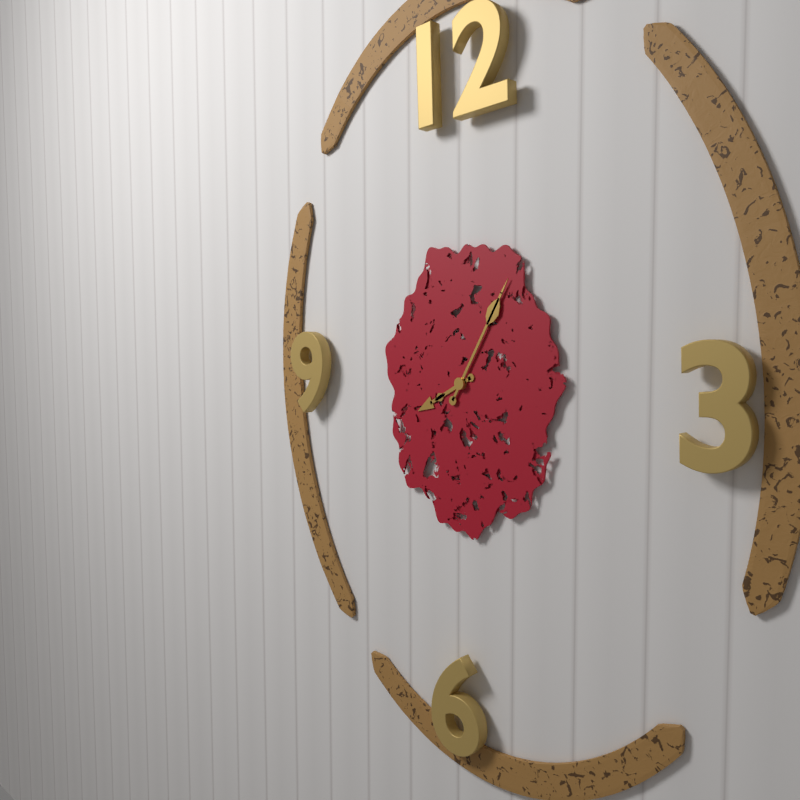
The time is 8 h 05 min
